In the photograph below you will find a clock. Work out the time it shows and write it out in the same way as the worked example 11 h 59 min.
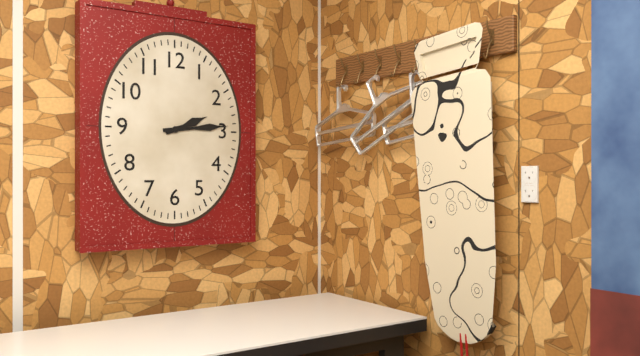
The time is 2 h 14 min
